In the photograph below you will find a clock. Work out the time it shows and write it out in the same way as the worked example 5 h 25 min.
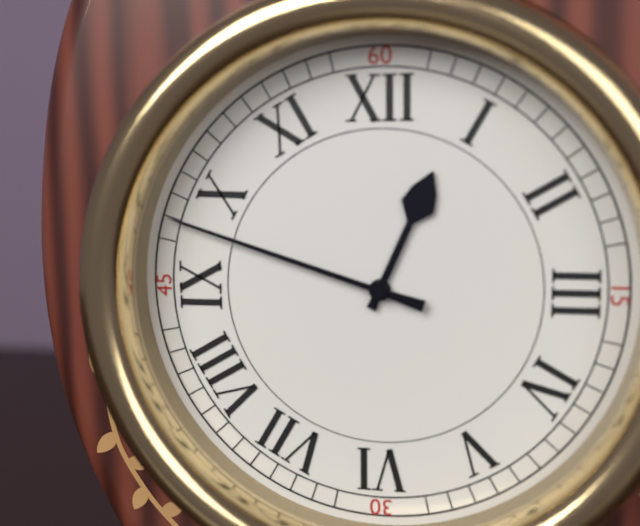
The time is 12 h 48 min
